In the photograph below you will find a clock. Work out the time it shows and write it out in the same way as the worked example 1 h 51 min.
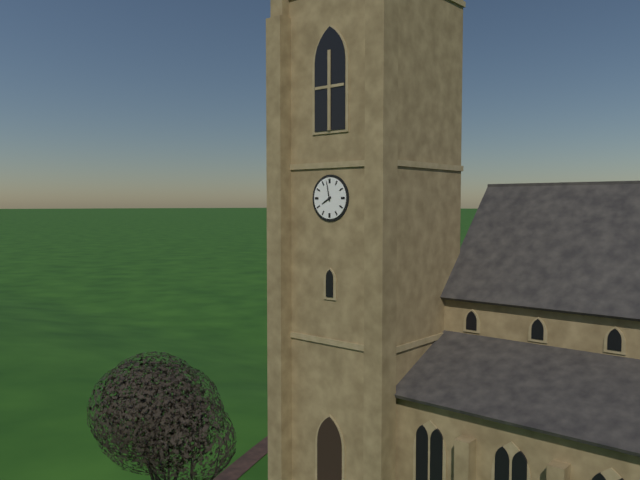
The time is 7 h 58 min
